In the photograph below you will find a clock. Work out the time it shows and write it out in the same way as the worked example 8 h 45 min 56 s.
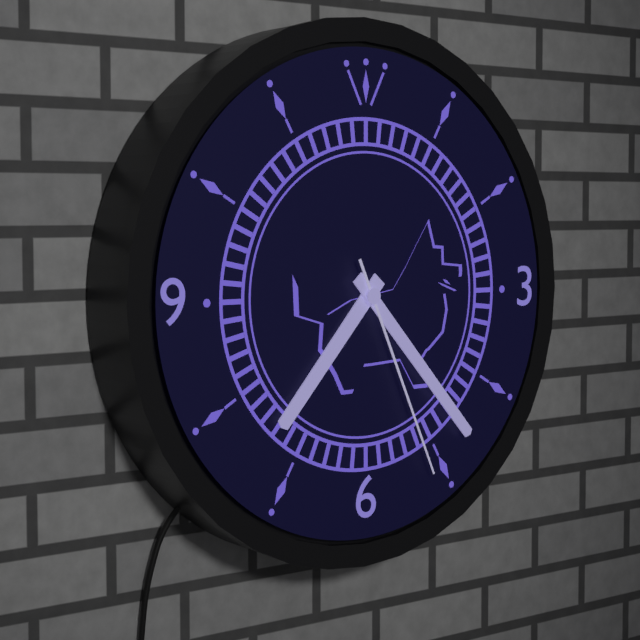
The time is 7 h 23 min 26 s
